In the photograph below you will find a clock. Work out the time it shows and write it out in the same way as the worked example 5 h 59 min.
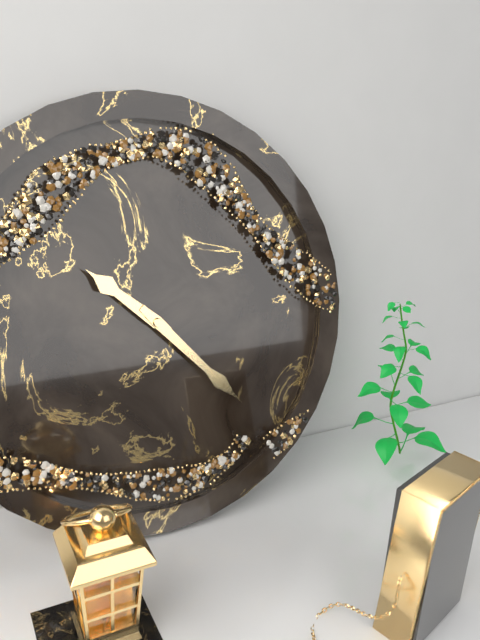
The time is 10 h 23 min
